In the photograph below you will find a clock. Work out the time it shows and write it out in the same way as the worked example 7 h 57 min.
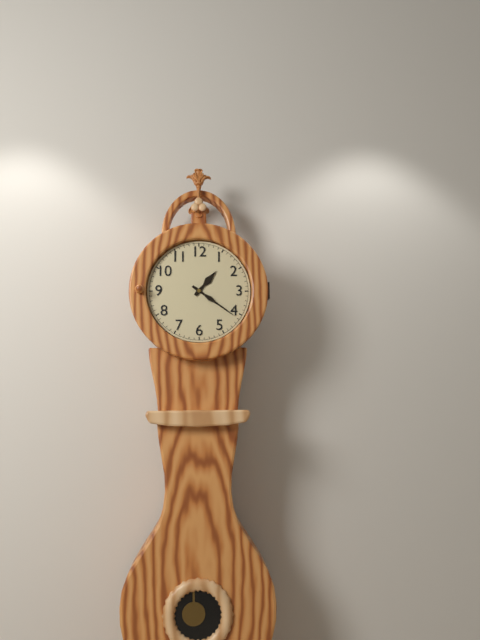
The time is 1 h 21 min
